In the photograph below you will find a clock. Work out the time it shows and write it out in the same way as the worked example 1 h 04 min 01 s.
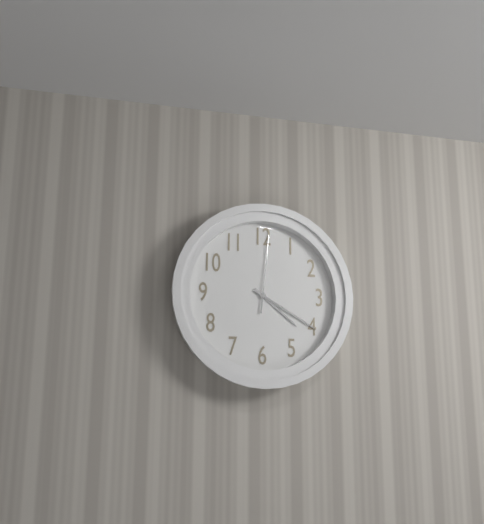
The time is 4 h 20 min 01 s
